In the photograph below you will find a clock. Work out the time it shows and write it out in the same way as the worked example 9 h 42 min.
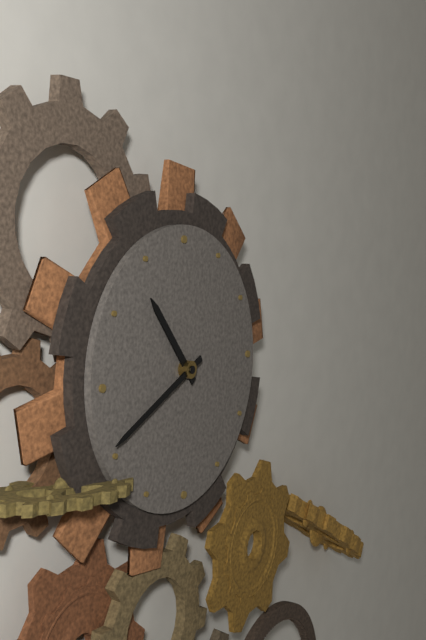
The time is 10 h 41 min
